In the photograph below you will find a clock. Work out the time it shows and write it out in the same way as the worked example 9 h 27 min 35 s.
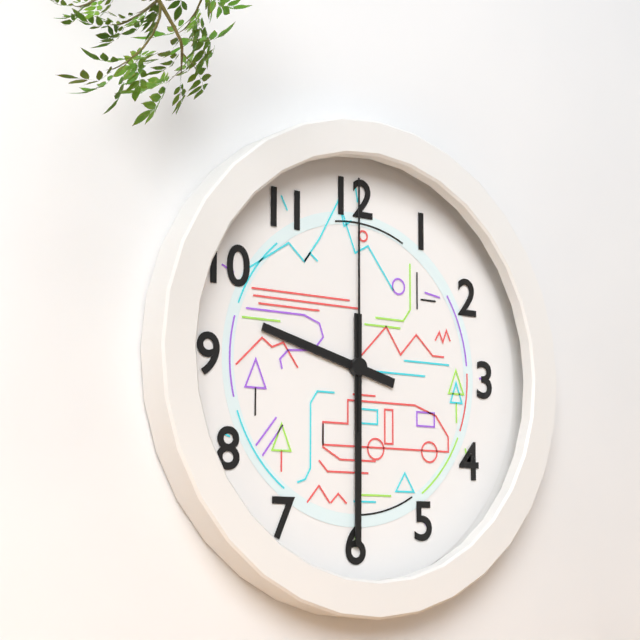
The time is 9 h 30 min 00 s
